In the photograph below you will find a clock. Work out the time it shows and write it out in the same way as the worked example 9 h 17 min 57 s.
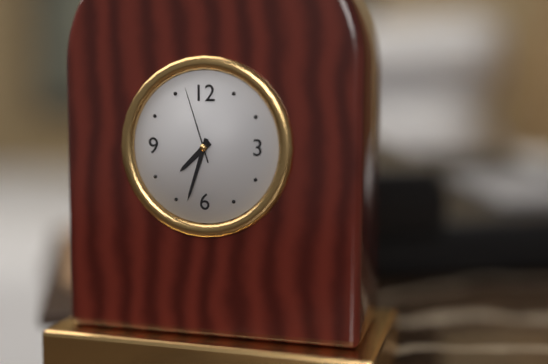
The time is 7 h 33 min 57 s
